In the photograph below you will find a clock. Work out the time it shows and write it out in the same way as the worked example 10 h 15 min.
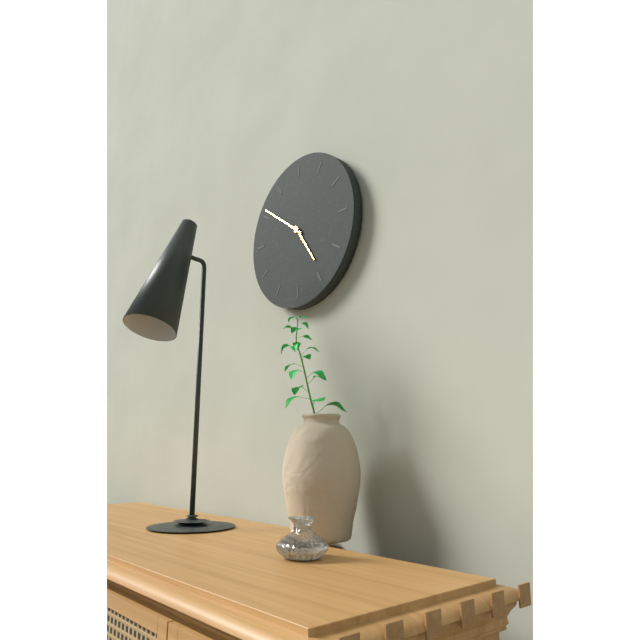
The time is 4 h 51 min
